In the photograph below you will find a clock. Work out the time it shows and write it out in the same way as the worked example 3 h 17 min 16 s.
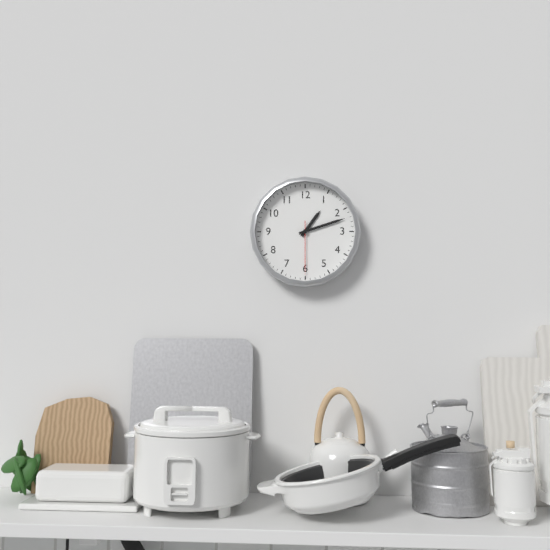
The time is 1 h 12 min 30 s
